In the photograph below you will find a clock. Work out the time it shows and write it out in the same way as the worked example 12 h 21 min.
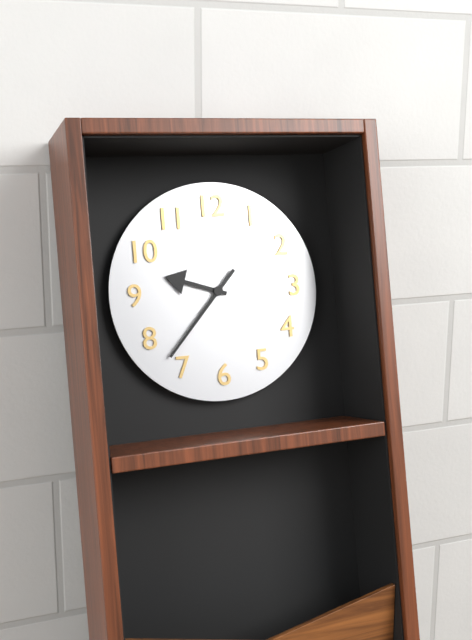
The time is 9 h 37 min
